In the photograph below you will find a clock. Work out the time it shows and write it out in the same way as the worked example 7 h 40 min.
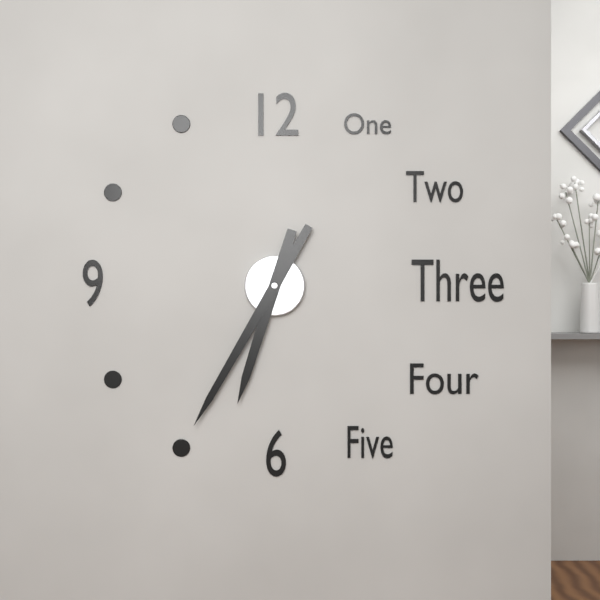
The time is 6 h 35 min
